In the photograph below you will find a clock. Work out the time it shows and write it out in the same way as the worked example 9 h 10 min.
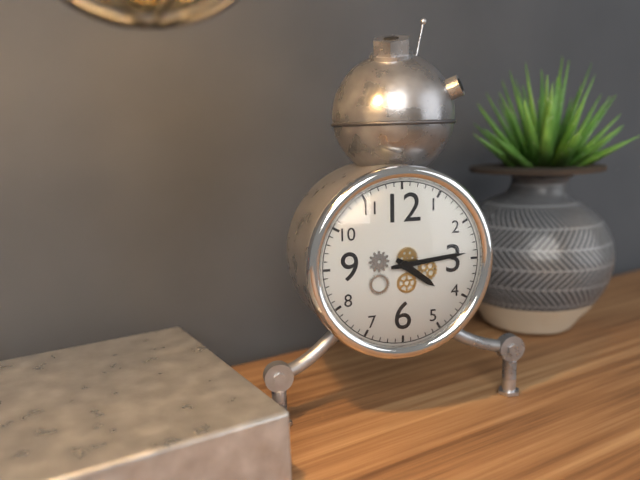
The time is 4 h 14 min
